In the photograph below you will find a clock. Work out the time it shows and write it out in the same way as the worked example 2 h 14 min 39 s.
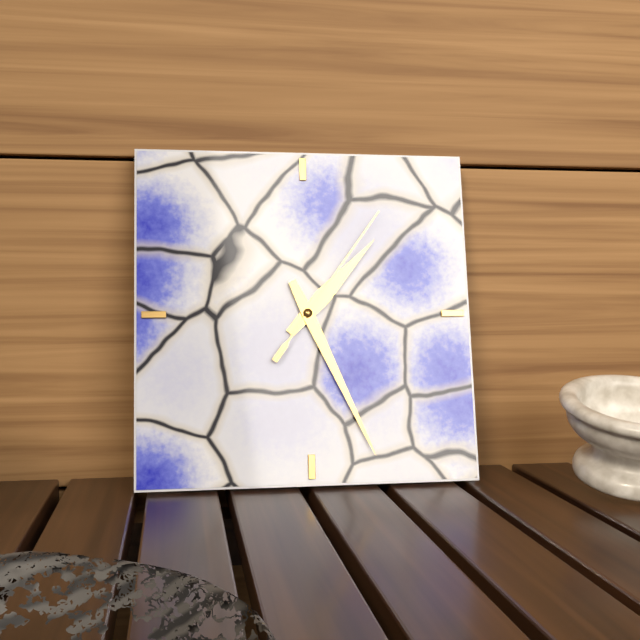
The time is 1 h 26 min 06 s
